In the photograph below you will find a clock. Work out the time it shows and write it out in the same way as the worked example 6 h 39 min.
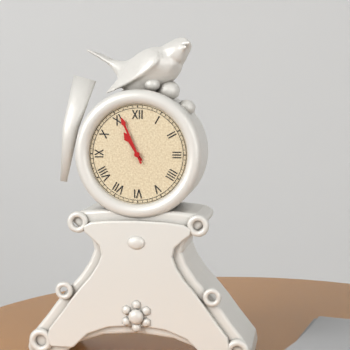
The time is 10 h 56 min
